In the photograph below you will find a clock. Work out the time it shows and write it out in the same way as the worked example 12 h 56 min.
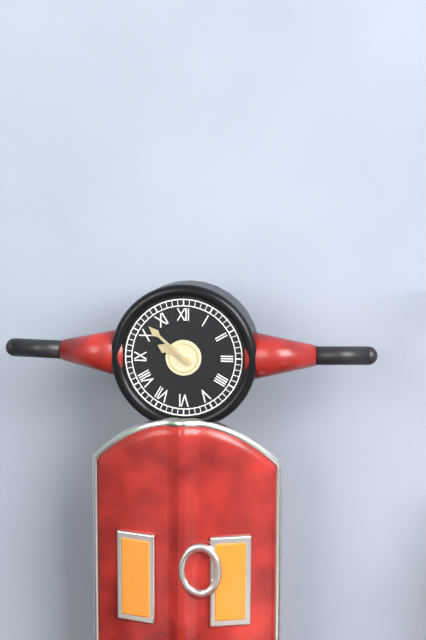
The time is 9 h 52 min
